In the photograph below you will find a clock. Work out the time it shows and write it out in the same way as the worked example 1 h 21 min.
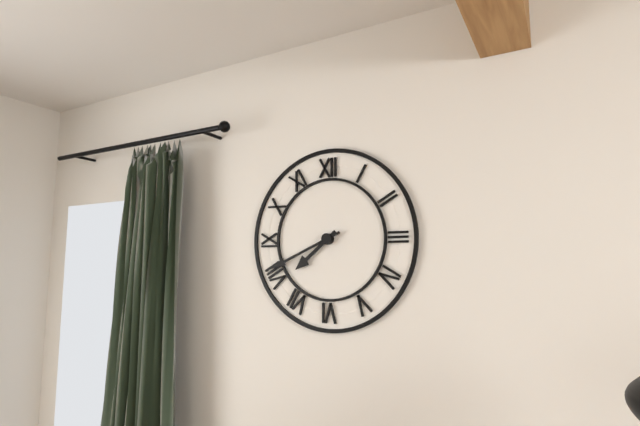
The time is 7 h 41 min
